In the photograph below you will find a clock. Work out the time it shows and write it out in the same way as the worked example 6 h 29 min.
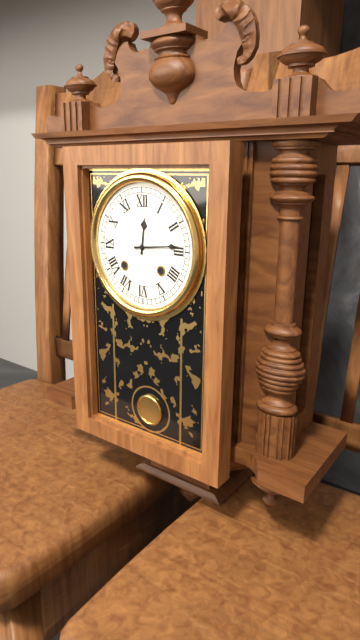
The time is 12 h 14 min
